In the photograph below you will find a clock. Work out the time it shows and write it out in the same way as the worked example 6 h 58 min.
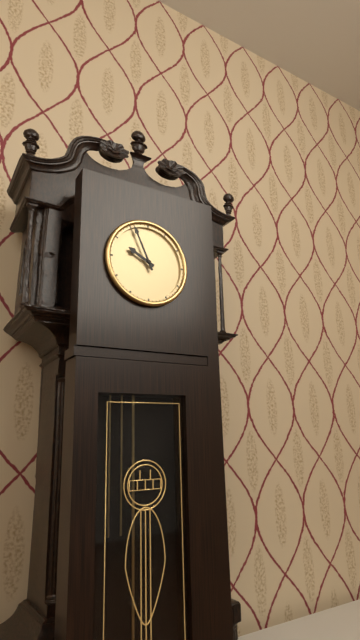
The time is 9 h 56 min
